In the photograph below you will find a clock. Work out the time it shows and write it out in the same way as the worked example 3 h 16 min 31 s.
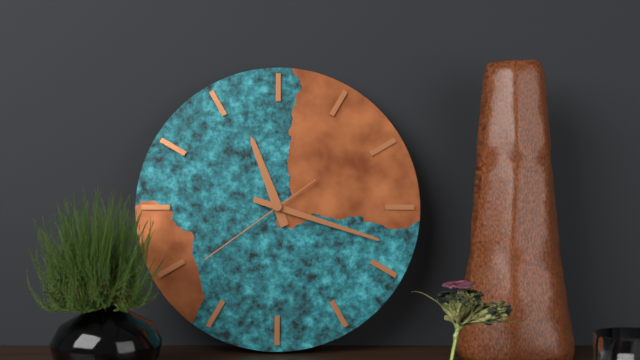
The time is 11 h 18 min 39 s
